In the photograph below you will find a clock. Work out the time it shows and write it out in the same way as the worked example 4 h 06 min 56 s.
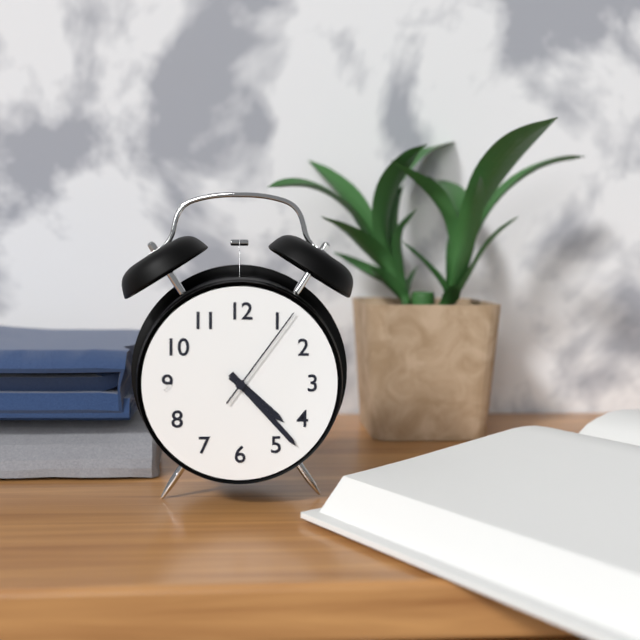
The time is 4 h 23 min 06 s
